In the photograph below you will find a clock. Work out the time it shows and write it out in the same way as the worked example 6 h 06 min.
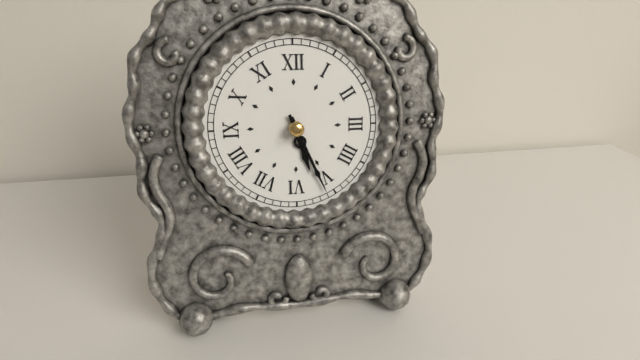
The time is 5 h 26 min
